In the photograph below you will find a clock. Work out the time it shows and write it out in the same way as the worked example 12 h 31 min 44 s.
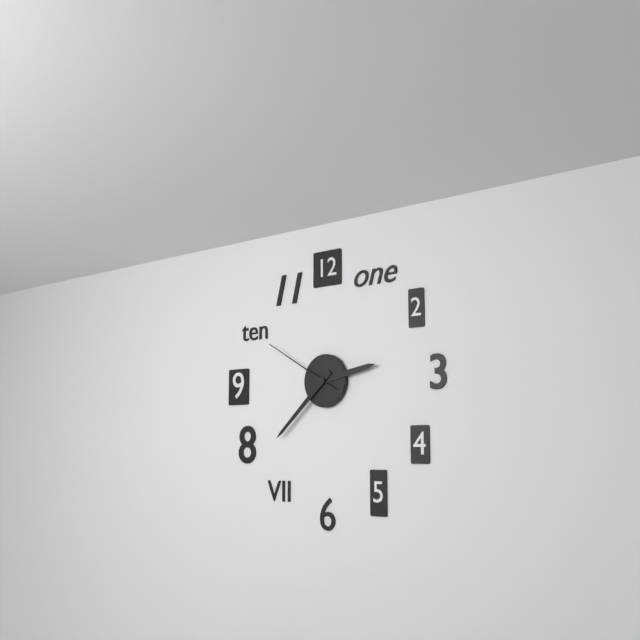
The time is 2 h 38 min 50 s
